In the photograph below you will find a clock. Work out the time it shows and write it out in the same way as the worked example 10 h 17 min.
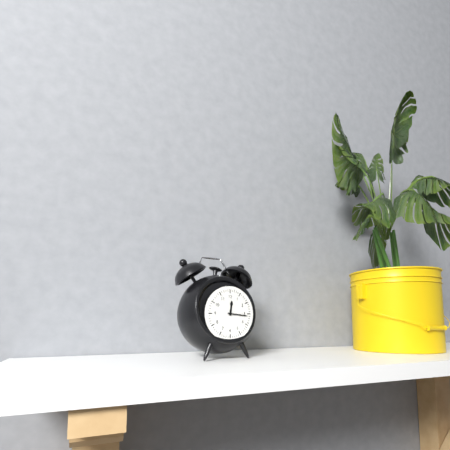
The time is 12 h 16 min
